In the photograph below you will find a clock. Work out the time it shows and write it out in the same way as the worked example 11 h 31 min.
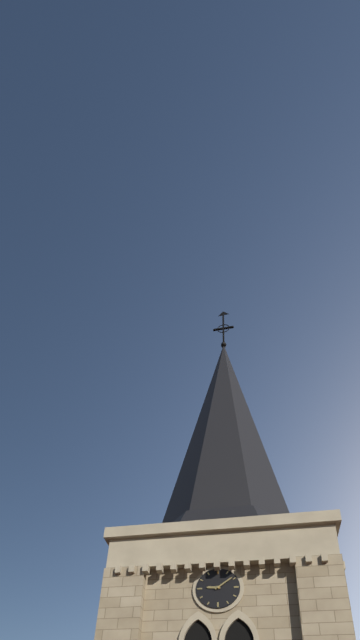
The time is 9 h 09 min
